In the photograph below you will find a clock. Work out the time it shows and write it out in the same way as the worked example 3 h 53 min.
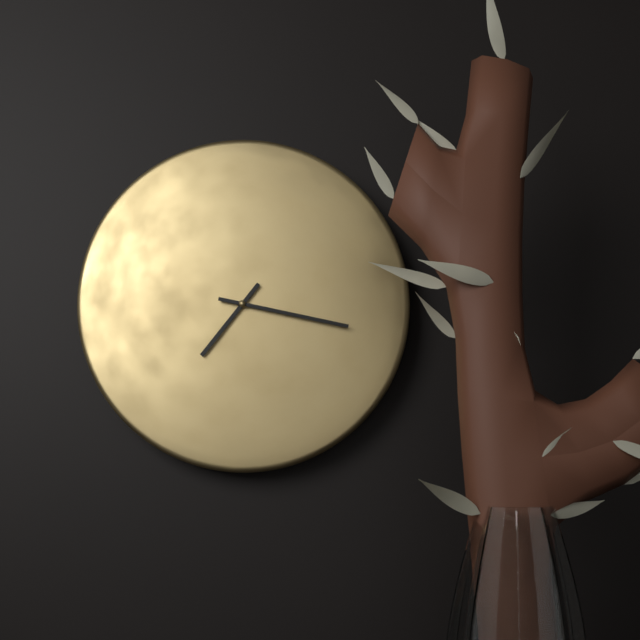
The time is 7 h 17 min
